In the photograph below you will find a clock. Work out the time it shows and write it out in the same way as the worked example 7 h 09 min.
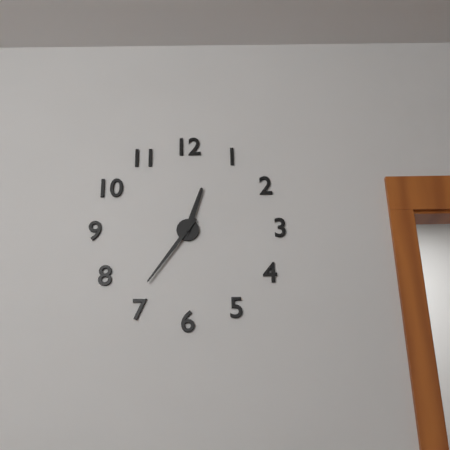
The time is 12 h 36 min
